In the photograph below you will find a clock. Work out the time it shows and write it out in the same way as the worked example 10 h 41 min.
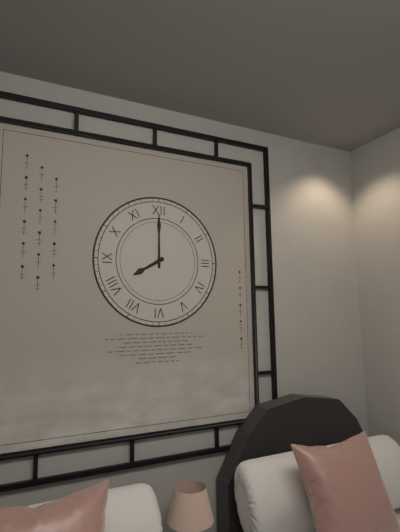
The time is 8 h 00 min
